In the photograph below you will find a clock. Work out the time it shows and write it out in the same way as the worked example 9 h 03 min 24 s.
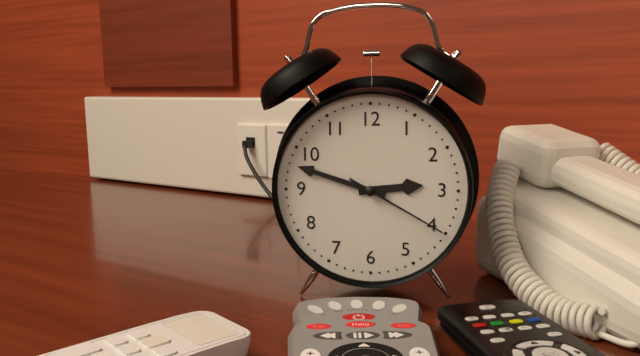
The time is 2 h 48 min 20 s
